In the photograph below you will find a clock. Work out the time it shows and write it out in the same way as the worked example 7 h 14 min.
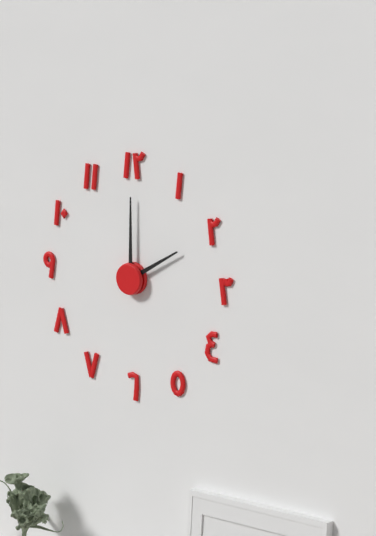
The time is 2 h 00 min
